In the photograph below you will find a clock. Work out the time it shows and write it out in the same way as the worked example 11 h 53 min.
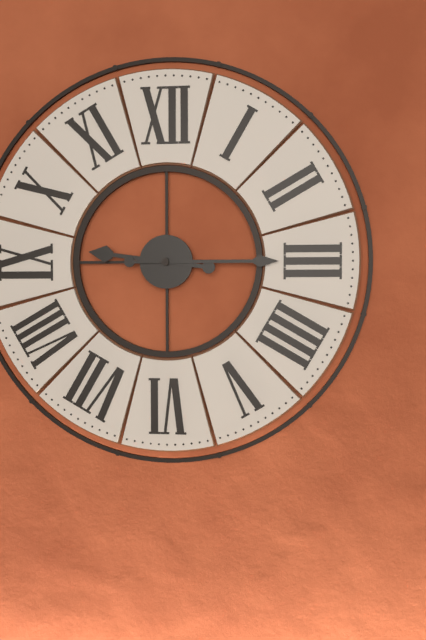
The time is 9 h 15 min
